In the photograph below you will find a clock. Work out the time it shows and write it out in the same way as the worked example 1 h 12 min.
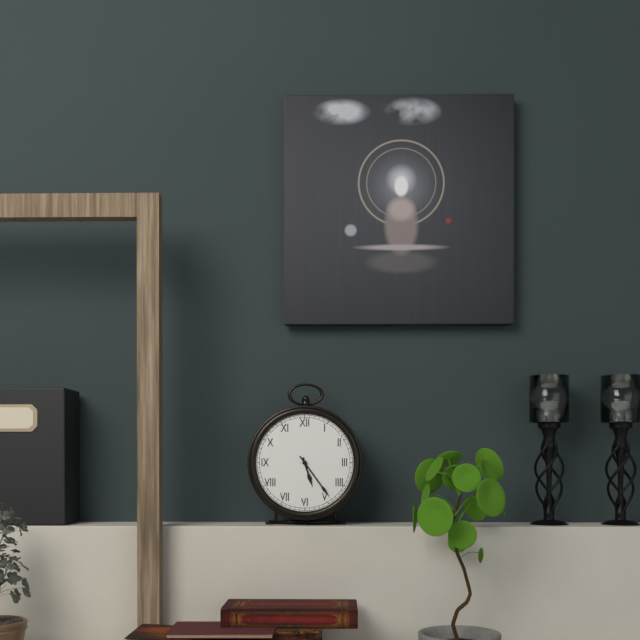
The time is 5 h 24 min
